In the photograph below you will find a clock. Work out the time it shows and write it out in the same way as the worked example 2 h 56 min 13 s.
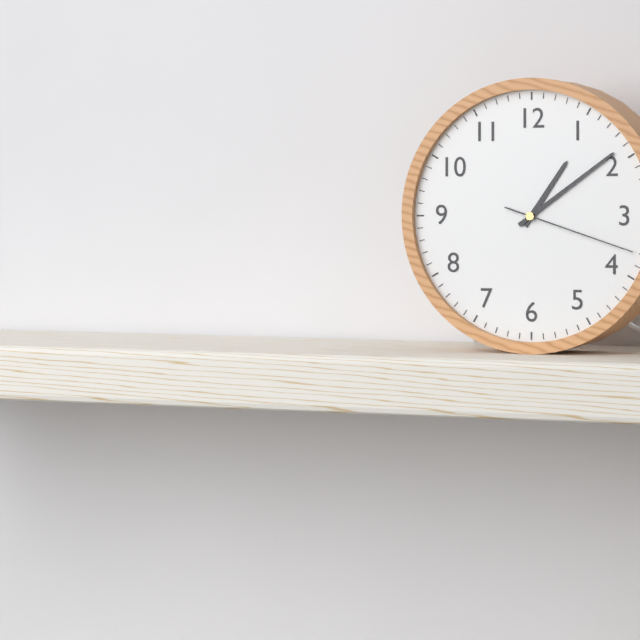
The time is 1 h 09 min 18 s
